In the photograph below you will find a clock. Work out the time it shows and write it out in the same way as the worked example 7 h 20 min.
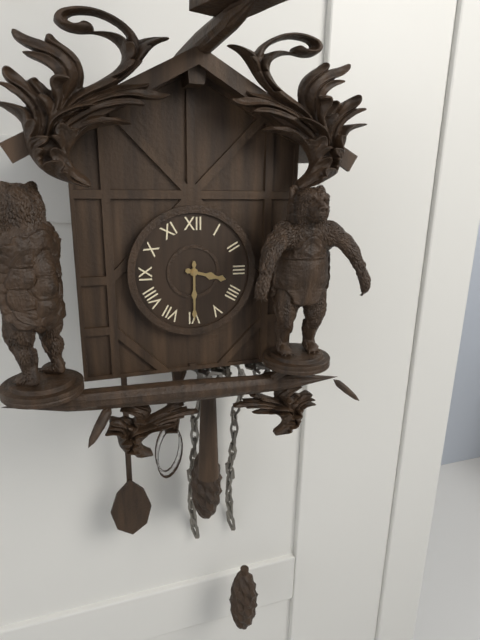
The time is 3 h 30 min
